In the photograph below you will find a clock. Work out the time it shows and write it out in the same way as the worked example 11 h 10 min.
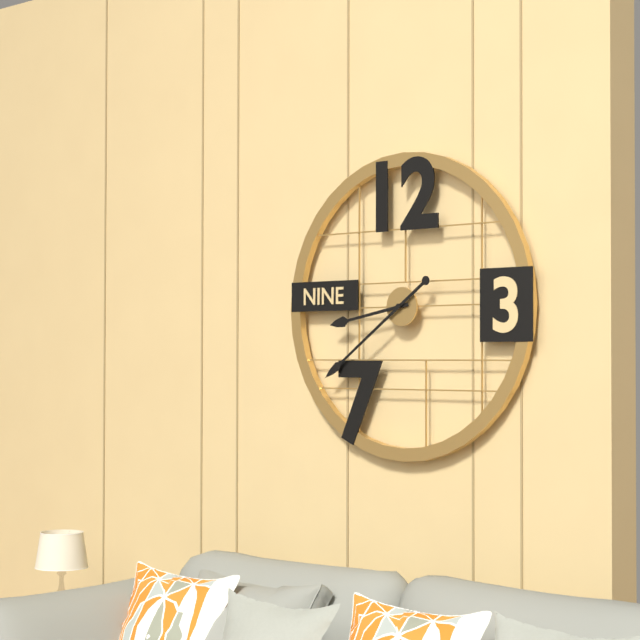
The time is 8 h 39 min
